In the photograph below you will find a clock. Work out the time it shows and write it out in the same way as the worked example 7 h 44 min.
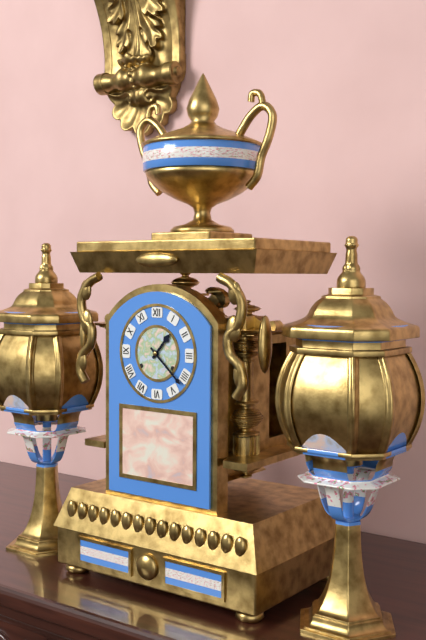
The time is 1 h 22 min
